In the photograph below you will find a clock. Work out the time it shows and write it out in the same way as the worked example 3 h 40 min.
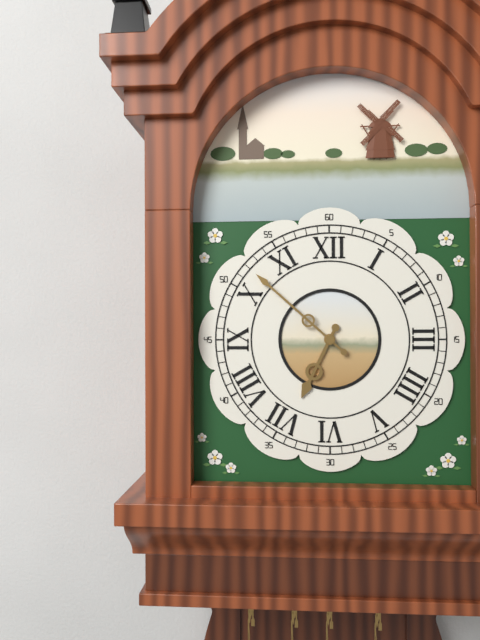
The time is 6 h 52 min
